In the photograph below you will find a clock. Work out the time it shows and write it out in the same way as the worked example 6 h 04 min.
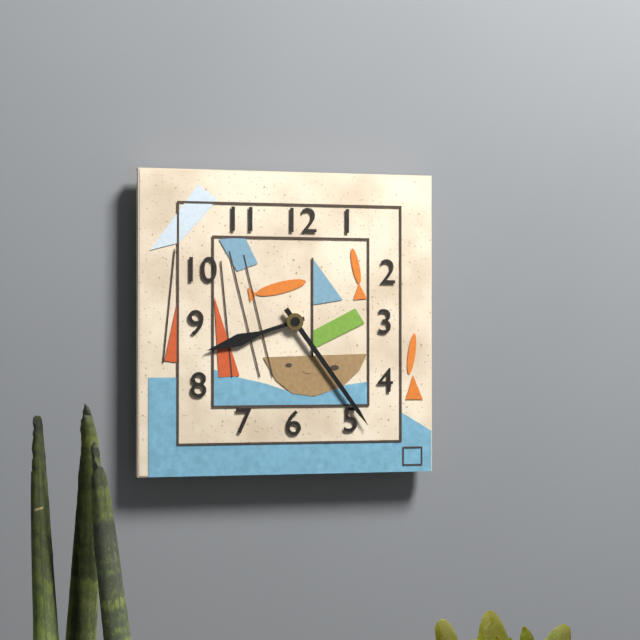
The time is 8 h 24 min
